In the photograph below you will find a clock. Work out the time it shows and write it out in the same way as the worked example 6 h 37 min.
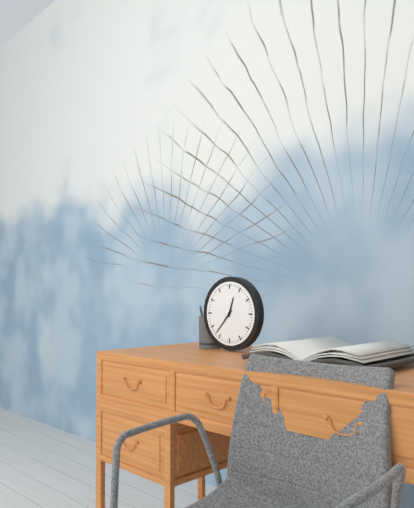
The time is 12 h 37 min
